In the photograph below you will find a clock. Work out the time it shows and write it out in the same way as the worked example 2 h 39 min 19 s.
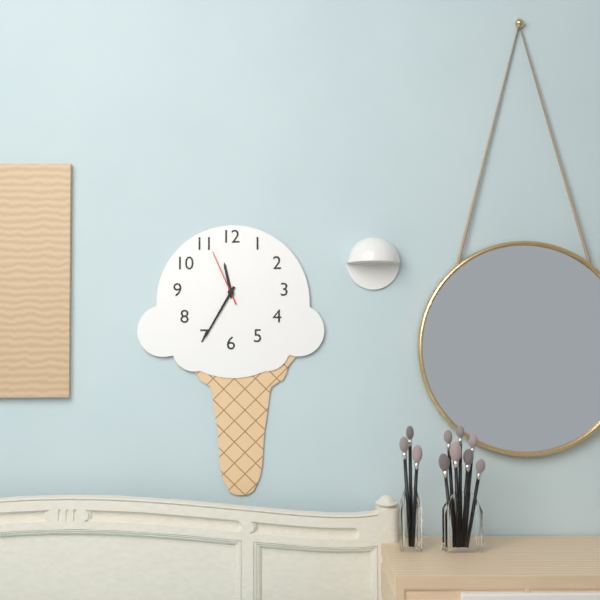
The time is 11 h 35 min 56 s
